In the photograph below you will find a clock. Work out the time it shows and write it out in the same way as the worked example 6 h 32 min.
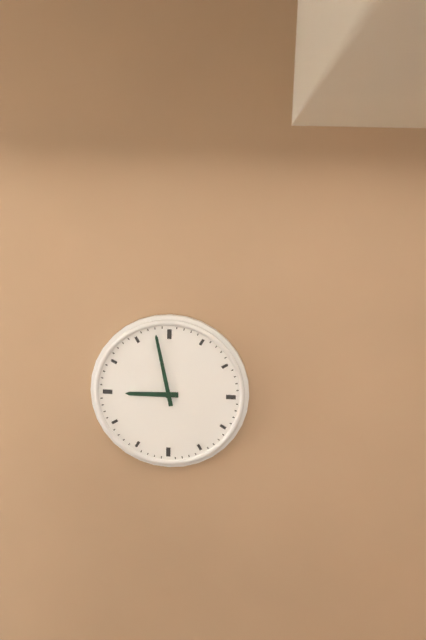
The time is 8 h 58 min
